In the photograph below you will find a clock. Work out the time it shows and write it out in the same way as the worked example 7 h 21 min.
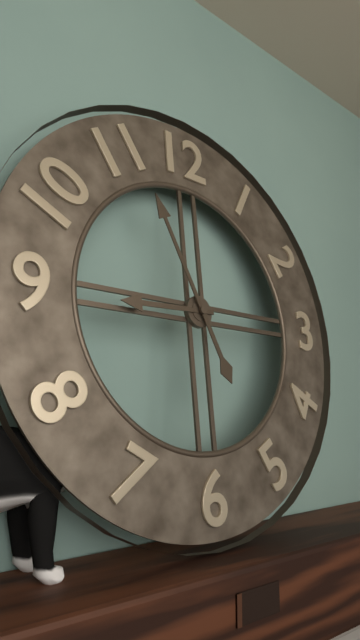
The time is 8 h 56 min
